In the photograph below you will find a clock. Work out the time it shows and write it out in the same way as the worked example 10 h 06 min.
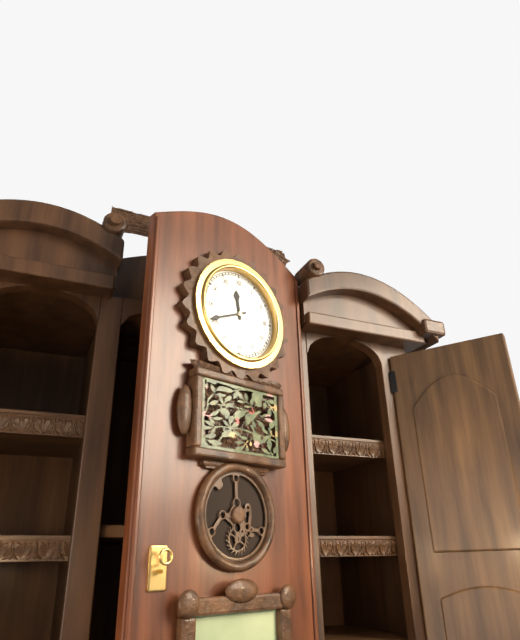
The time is 11 h 41 min
